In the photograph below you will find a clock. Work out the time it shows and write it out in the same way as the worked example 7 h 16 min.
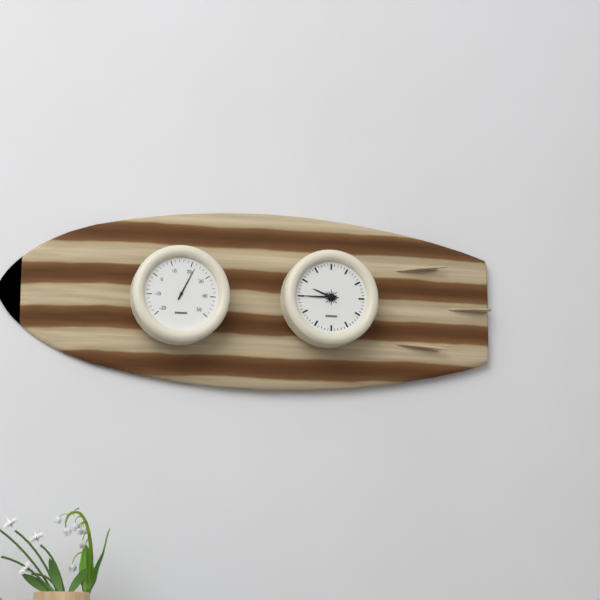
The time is 9 h 45 min
